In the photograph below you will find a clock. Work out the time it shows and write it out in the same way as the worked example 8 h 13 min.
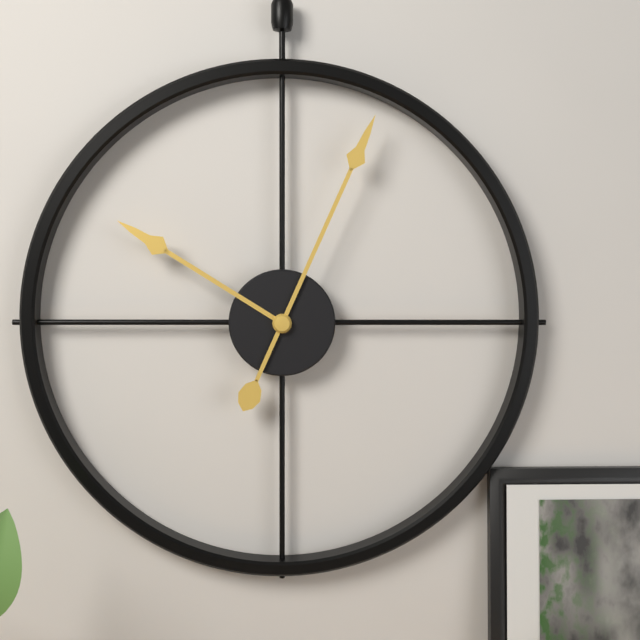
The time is 10 h 04 min
